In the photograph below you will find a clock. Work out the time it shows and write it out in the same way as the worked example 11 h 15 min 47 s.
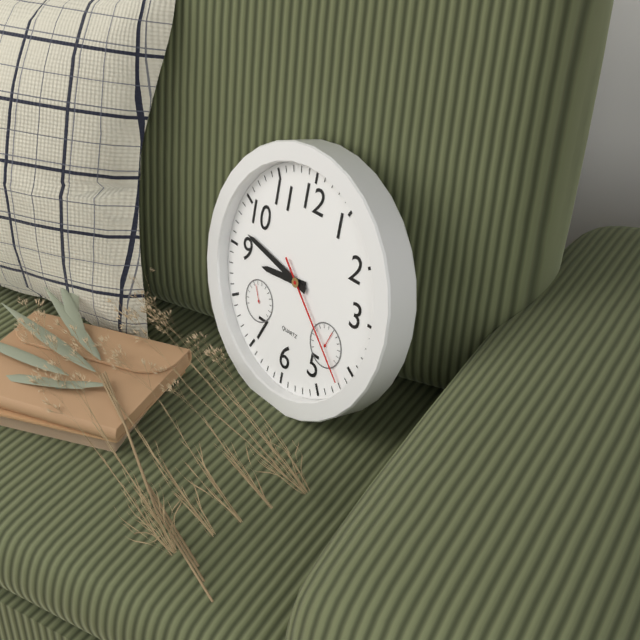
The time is 8 h 47 min 22 s
